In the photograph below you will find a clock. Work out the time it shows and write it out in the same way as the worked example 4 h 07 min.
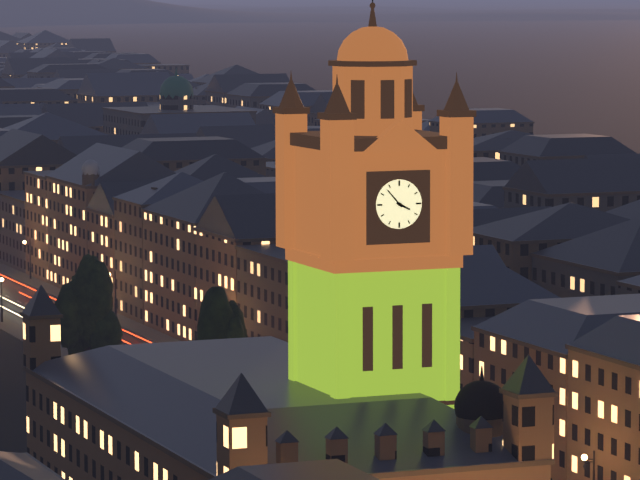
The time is 3 h 53 min
